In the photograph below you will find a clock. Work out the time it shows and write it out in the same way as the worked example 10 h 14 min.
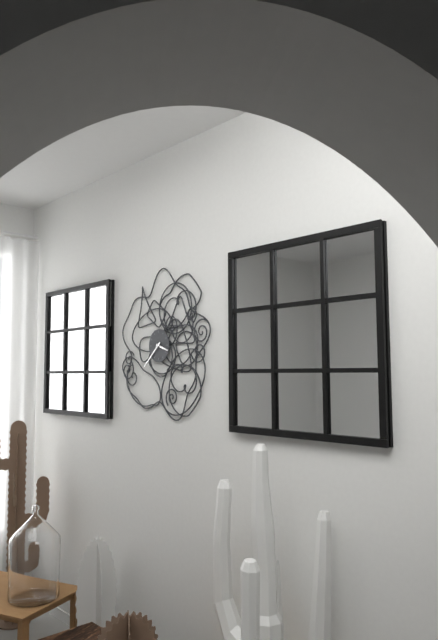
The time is 3 h 38 min
